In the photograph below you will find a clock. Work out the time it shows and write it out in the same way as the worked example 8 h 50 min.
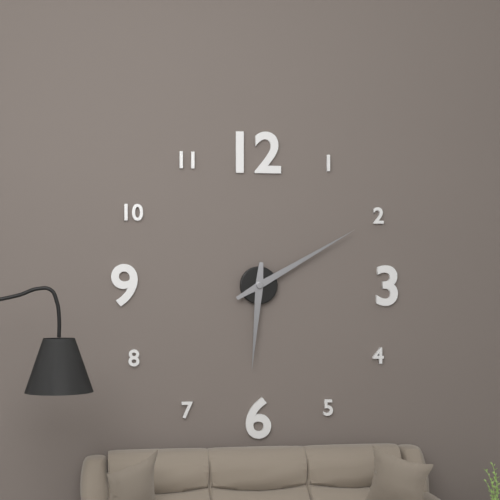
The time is 6 h 10 min
